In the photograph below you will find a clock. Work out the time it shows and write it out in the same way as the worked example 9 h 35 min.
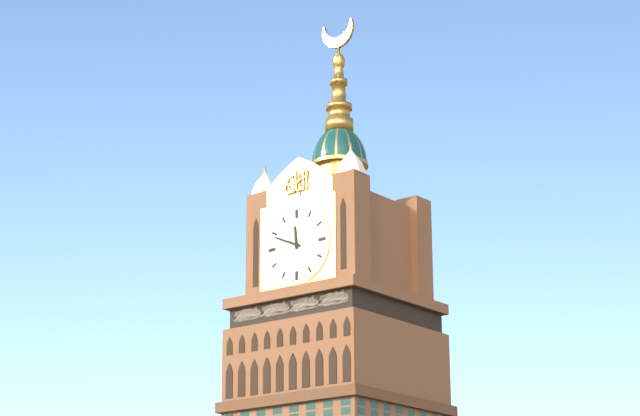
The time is 11 h 49 min
